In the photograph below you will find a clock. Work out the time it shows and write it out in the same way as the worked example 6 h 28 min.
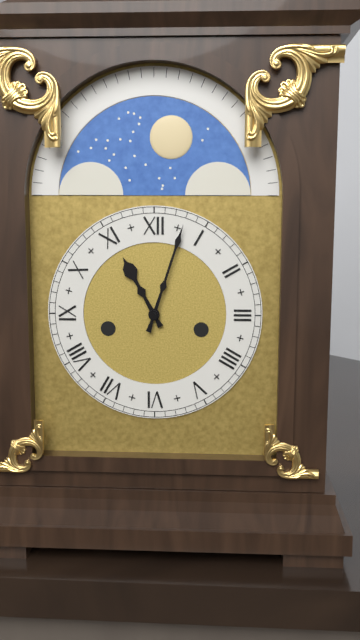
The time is 11 h 03 min
